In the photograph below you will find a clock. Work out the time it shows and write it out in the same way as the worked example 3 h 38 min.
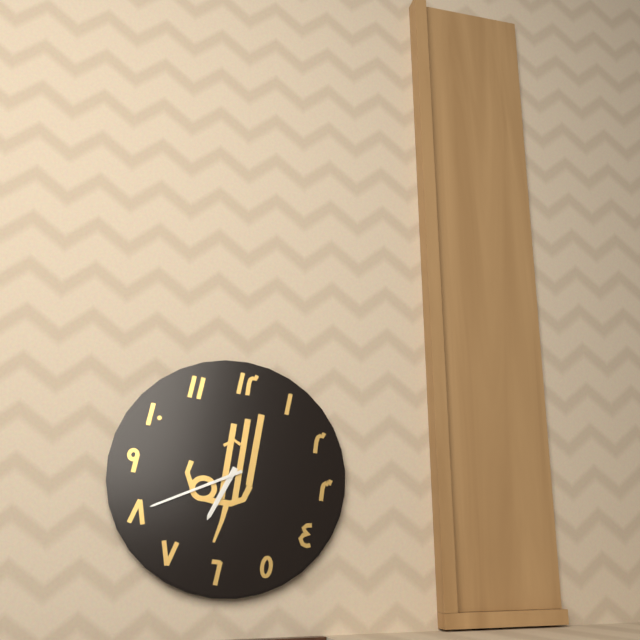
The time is 6 h 40 min
